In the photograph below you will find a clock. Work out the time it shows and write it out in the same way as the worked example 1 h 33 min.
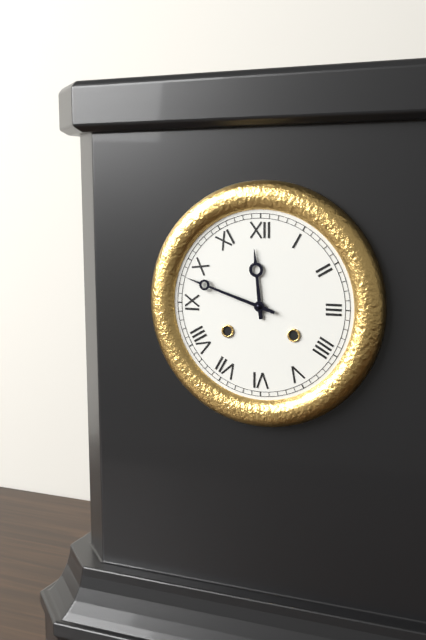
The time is 11 h 48 min
